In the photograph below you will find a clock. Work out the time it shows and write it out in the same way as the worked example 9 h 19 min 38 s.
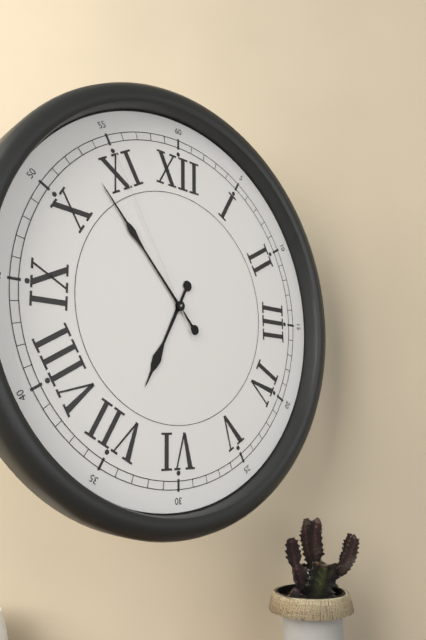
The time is 6 h 53 min 55 s
